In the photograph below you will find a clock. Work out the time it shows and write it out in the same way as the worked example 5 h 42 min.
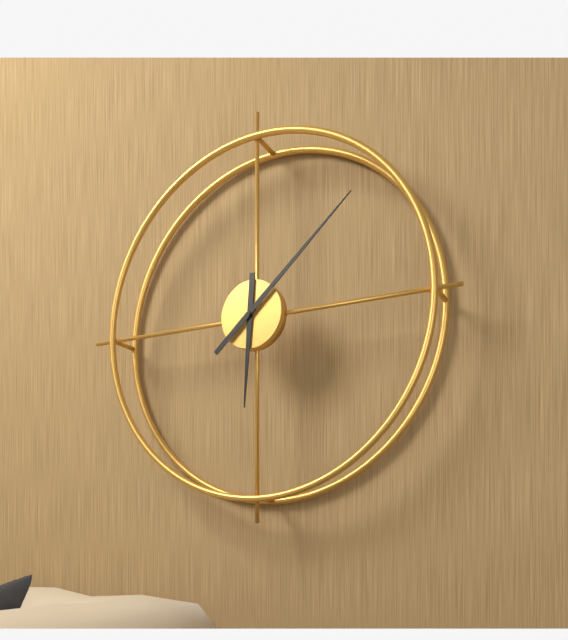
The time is 6 h 08 min
